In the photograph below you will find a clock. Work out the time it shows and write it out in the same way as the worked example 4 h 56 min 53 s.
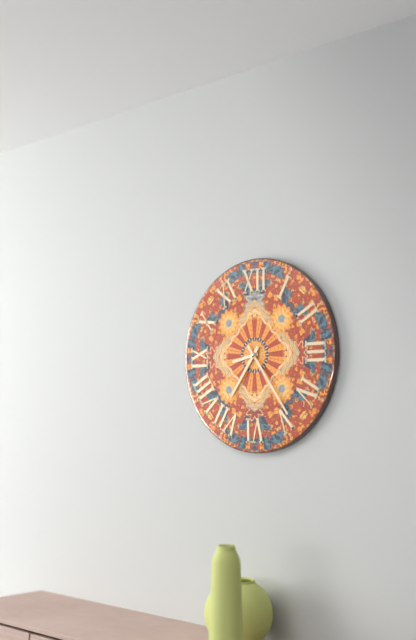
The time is 8 h 36 min 24 s
